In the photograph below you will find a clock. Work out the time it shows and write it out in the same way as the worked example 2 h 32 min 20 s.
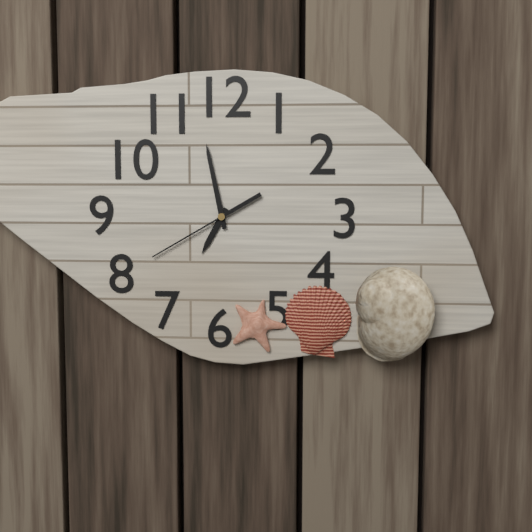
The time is 6 h 58 min 40 s
